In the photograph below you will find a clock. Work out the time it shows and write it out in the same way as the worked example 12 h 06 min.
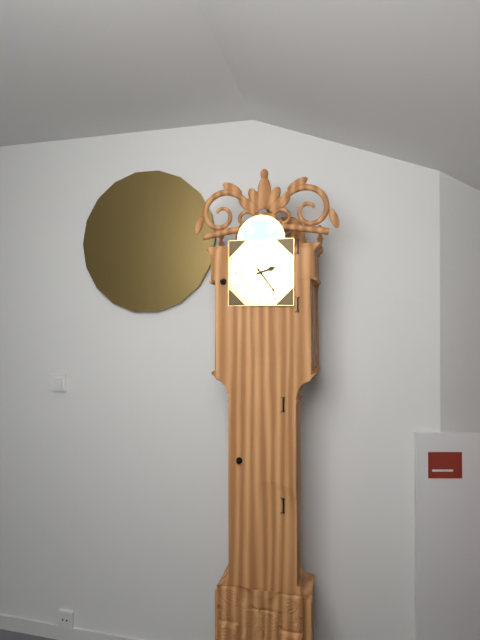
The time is 2 h 24 min
